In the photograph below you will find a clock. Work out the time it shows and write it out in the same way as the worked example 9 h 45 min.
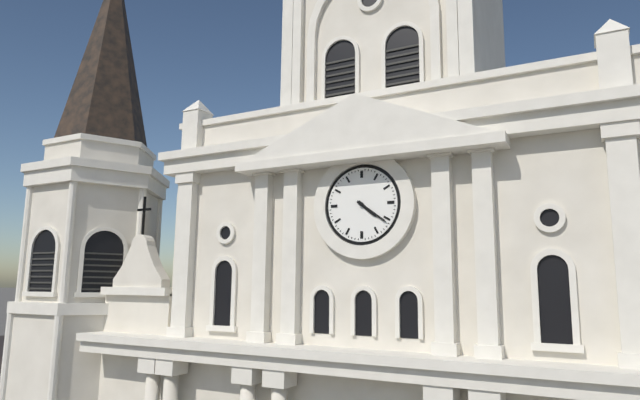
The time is 4 h 21 min
